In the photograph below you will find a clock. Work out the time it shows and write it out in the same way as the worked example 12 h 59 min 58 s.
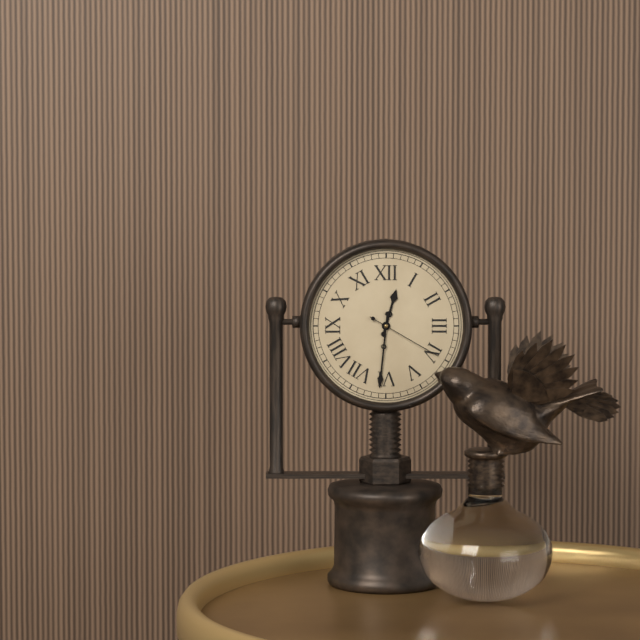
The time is 12 h 31 min 20 s
